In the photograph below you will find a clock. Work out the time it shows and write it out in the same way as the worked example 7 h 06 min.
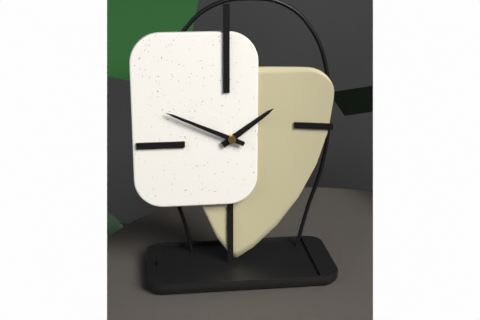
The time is 1 h 49 min
